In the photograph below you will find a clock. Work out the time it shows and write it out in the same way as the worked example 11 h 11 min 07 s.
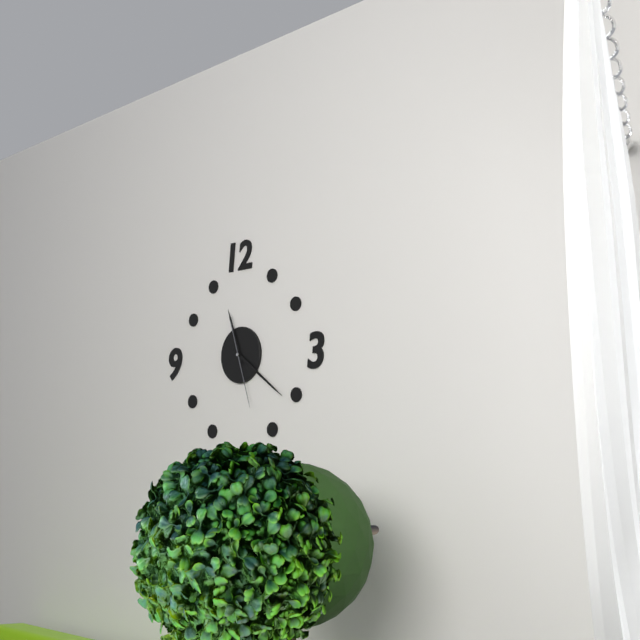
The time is 11 h 21 min 27 s
